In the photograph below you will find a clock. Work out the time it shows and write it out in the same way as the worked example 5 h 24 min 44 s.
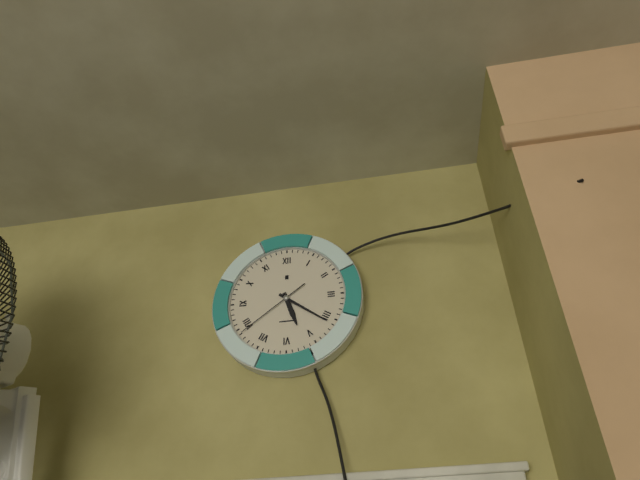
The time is 5 h 21 min 39 s
